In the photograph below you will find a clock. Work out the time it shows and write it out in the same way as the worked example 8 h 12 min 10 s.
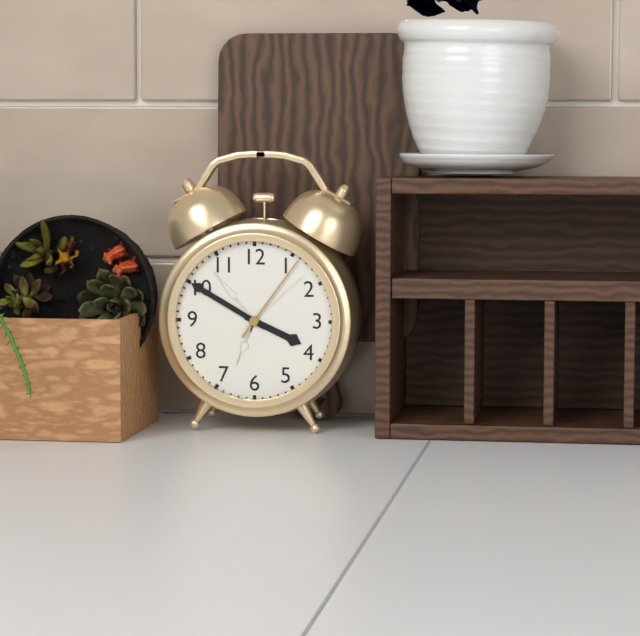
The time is 3 h 50 min 06 s
